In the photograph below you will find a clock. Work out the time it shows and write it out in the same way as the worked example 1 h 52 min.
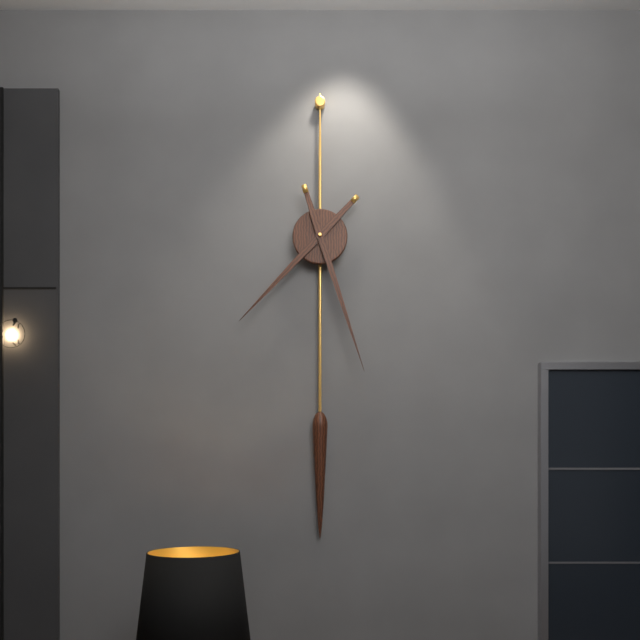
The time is 7 h 27 min
